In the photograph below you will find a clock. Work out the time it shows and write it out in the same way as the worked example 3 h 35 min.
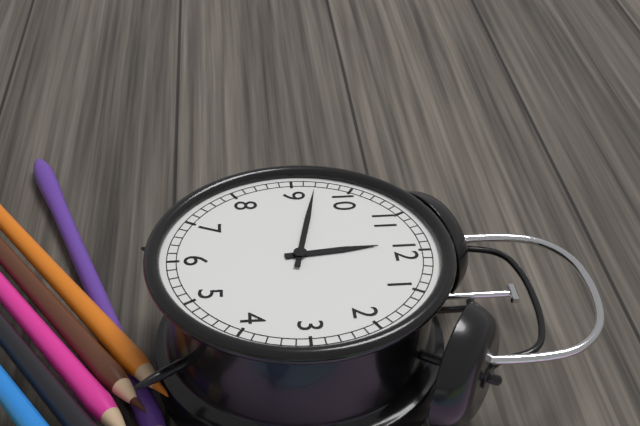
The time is 11 h 47 min
